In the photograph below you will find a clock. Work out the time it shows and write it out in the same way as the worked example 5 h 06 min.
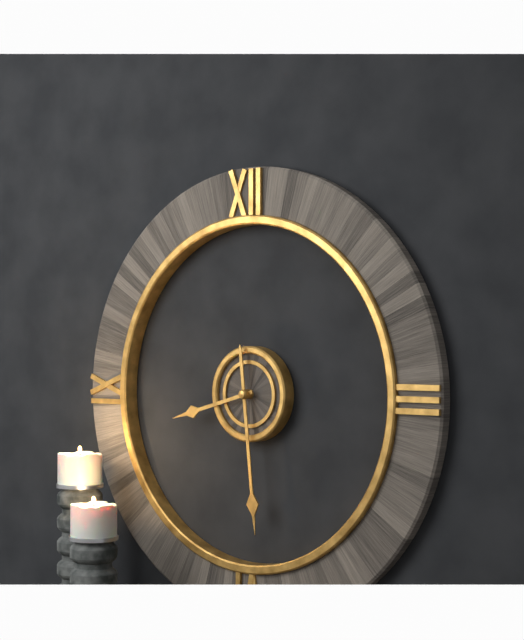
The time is 8 h 29 min
